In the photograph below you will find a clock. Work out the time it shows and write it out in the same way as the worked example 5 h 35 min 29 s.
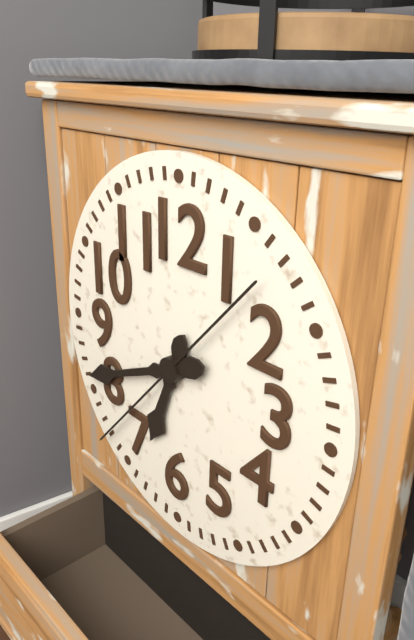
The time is 6 h 41 min 37 s
